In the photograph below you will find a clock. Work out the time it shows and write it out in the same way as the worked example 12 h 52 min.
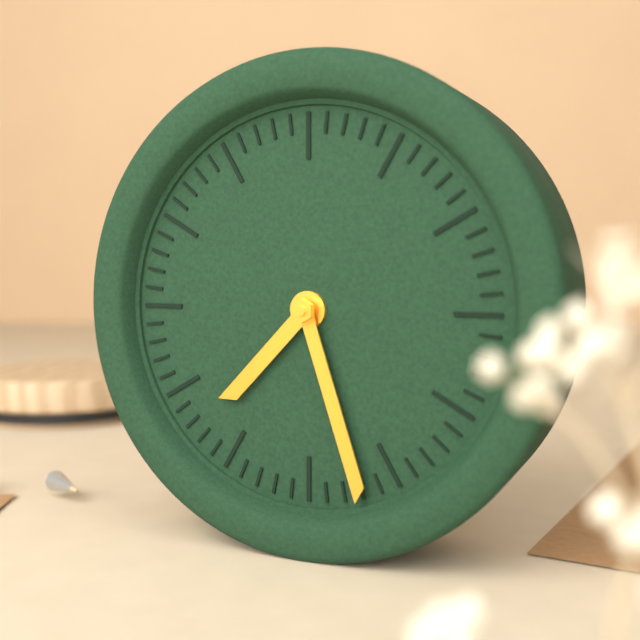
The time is 7 h 27 min
